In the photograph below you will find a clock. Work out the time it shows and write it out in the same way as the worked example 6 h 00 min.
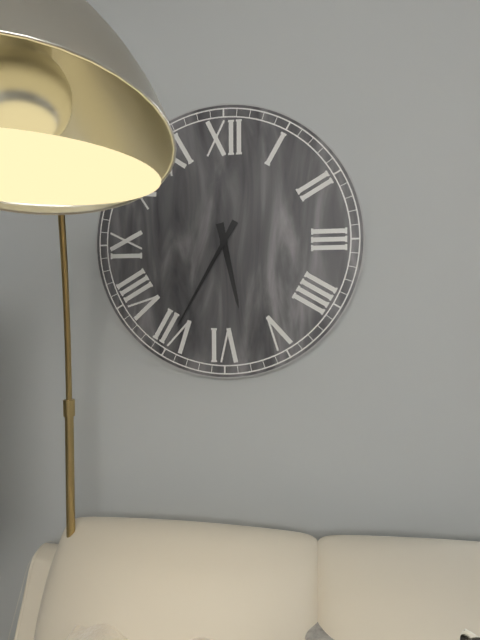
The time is 5 h 35 min
